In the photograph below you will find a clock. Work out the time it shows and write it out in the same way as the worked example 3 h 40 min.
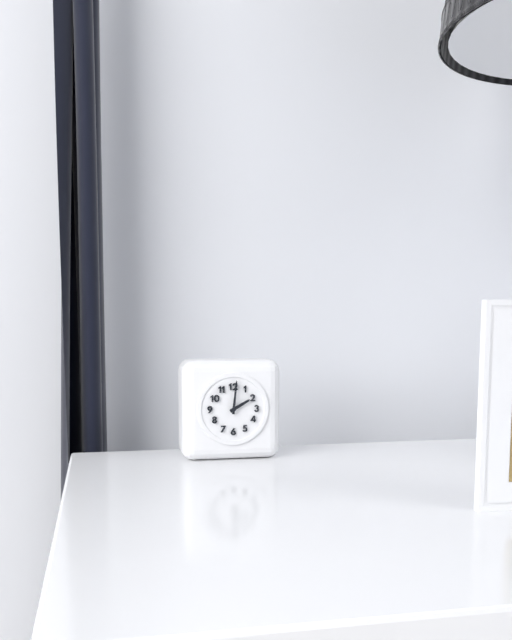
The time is 2 h 01 min
